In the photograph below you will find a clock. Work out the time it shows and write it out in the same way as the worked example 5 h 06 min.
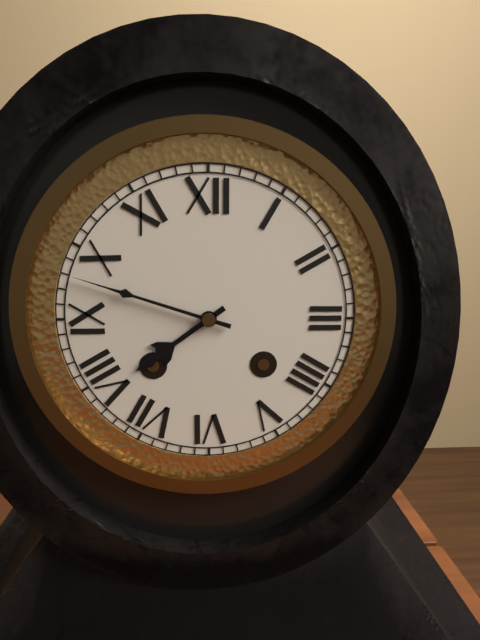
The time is 7 h 48 min
